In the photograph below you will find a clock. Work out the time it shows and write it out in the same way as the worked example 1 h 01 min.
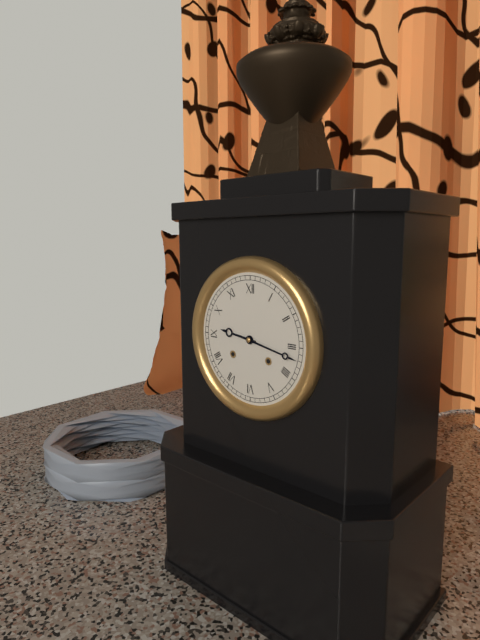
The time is 9 h 17 min
